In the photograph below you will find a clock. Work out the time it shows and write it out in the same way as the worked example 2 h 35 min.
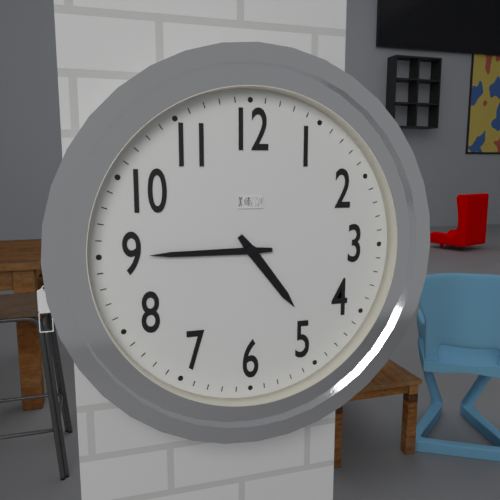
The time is 4 h 45 min
